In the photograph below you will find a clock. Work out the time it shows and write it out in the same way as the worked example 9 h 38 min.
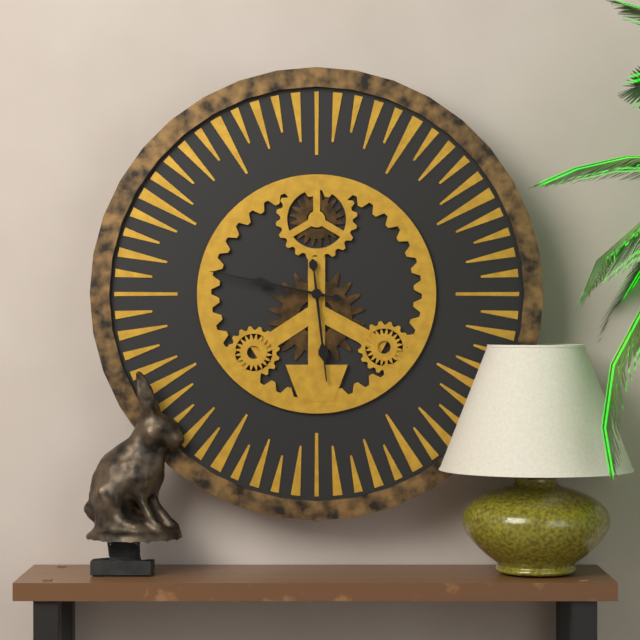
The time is 5 h 47 min
